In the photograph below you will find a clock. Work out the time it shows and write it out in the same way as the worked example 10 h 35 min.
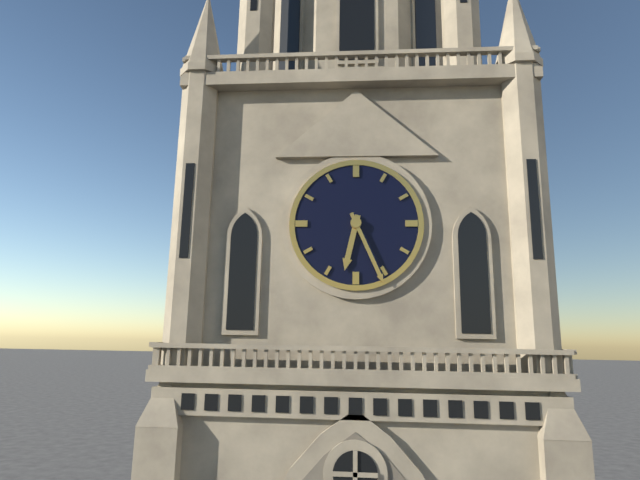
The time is 6 h 26 min
